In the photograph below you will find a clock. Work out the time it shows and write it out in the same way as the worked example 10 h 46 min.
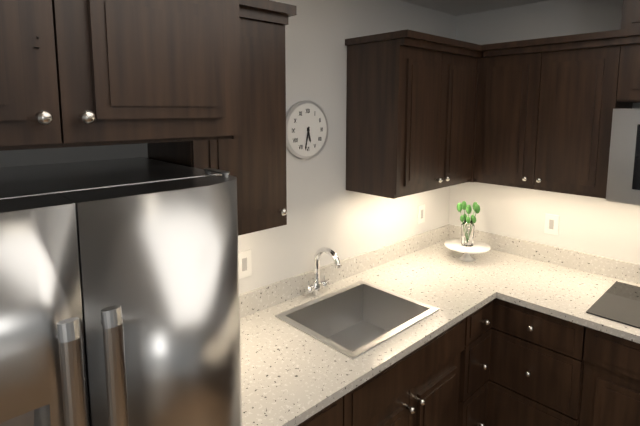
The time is 5 h 32 min
